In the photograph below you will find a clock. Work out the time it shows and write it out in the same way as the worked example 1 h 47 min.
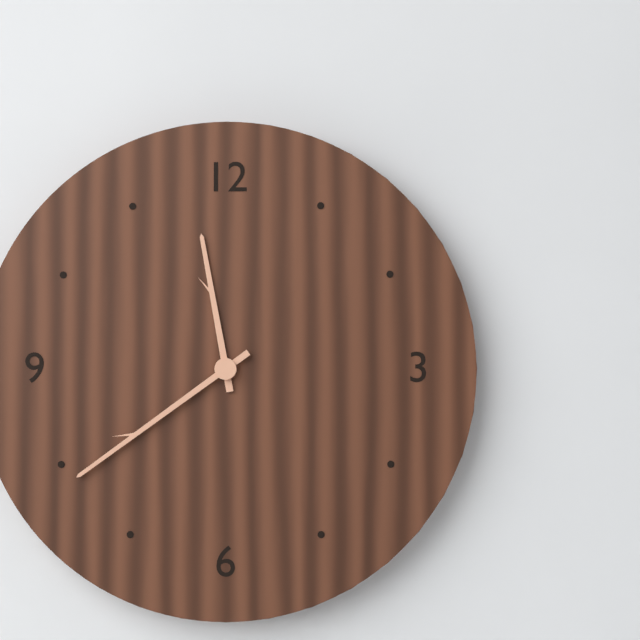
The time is 11 h 39 min
